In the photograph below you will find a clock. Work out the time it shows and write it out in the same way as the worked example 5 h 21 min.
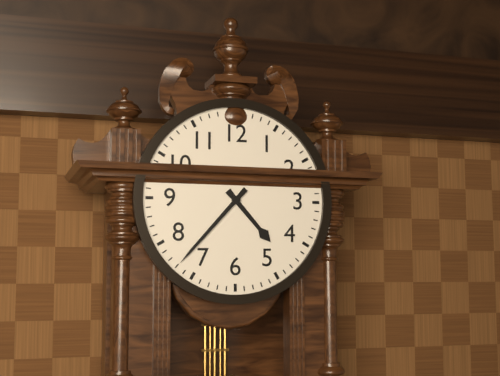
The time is 4 h 37 min
